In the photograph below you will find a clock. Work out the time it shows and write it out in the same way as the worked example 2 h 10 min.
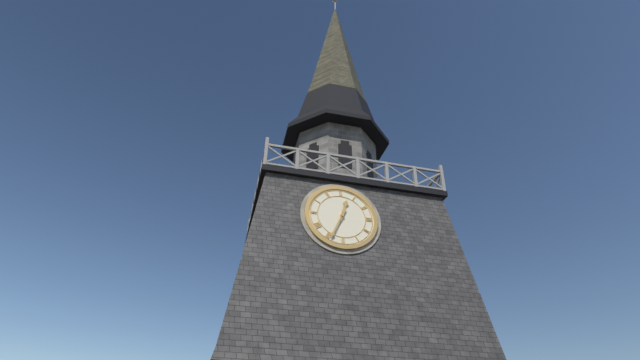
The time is 12 h 34 min
